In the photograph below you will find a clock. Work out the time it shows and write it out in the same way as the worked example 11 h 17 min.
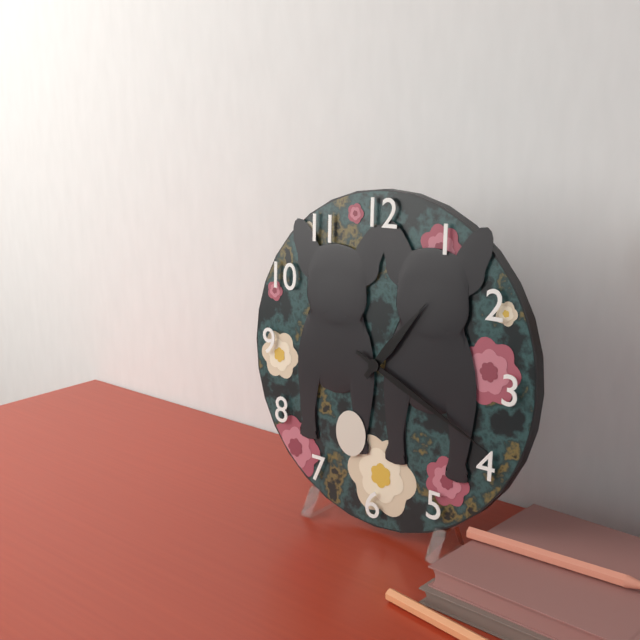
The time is 1 h 19 min
